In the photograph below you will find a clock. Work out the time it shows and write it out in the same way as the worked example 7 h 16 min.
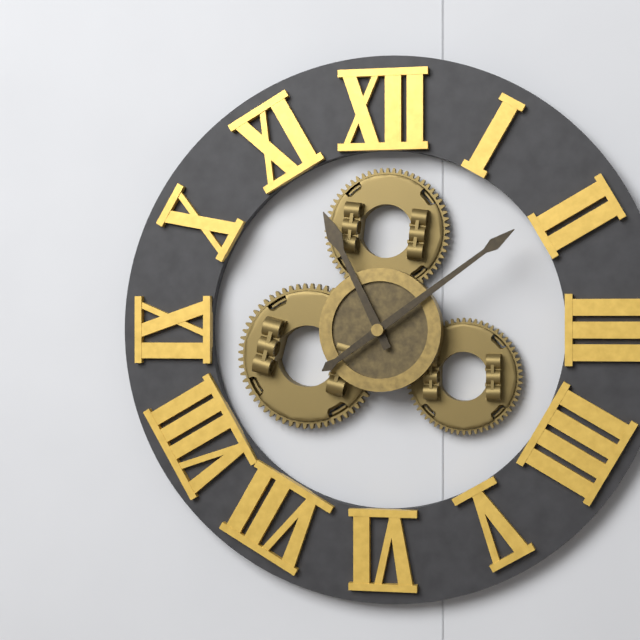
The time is 11 h 09 min
